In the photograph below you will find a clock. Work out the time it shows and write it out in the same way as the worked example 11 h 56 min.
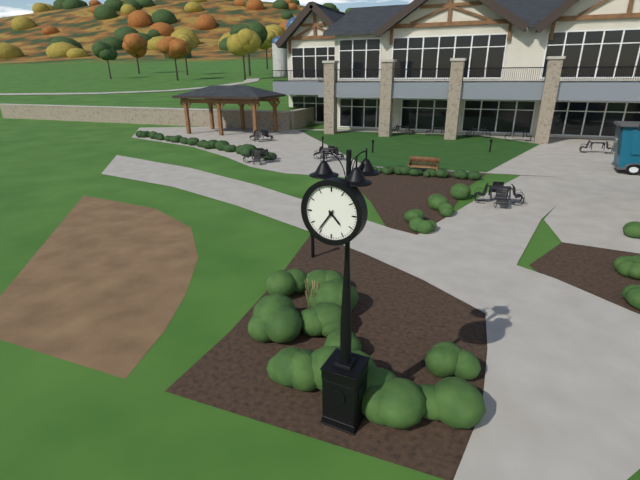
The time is 4 h 36 min
